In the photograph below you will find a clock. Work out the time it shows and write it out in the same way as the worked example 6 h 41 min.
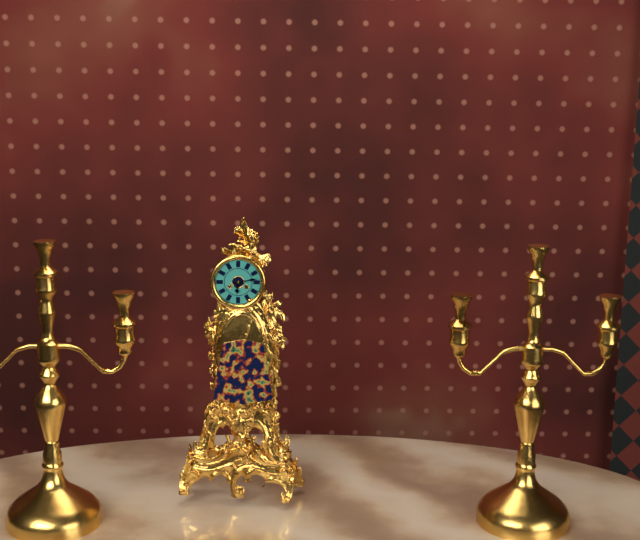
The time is 6 h 13 min
